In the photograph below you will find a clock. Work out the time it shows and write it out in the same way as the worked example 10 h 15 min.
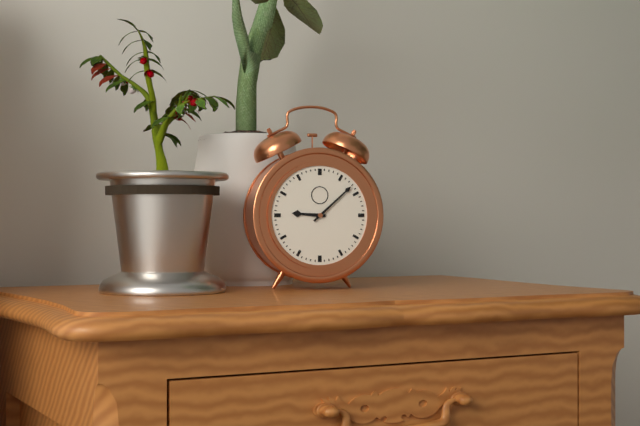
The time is 9 h 08 min
